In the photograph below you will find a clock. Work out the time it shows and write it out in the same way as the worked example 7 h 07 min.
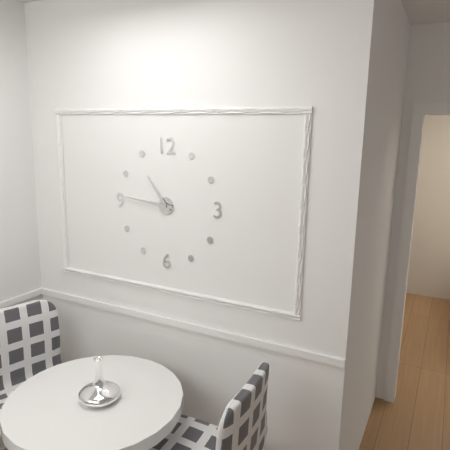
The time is 10 h 46 min
